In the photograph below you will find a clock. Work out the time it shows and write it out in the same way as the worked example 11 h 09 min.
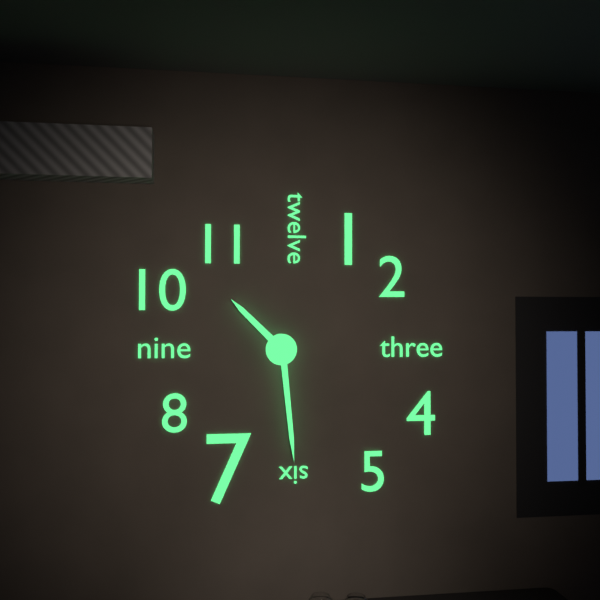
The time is 10 h 29 min
